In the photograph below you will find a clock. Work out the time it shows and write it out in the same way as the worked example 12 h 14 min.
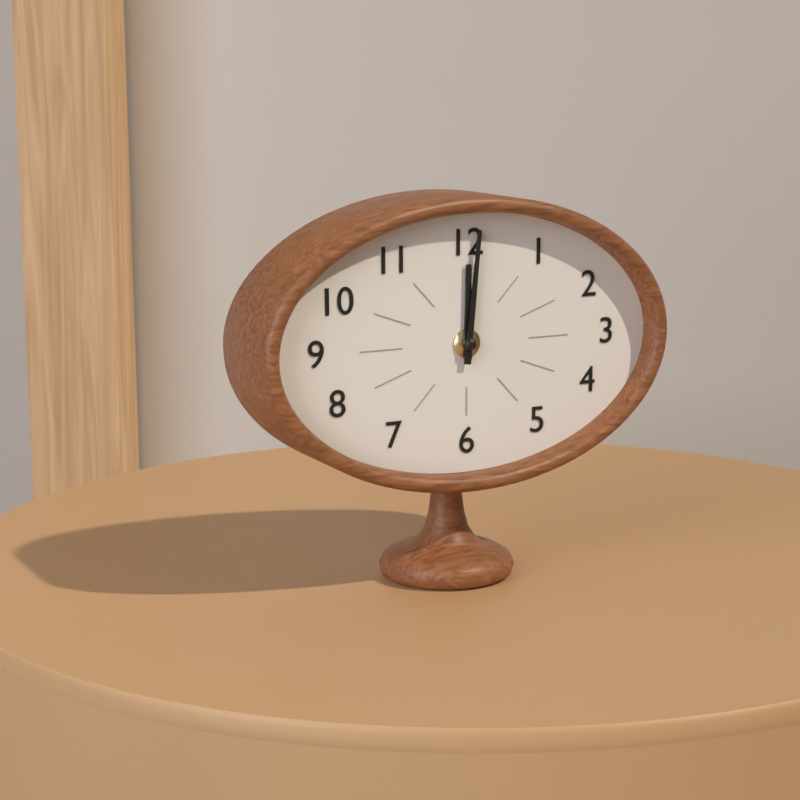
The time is 12 h 01 min
